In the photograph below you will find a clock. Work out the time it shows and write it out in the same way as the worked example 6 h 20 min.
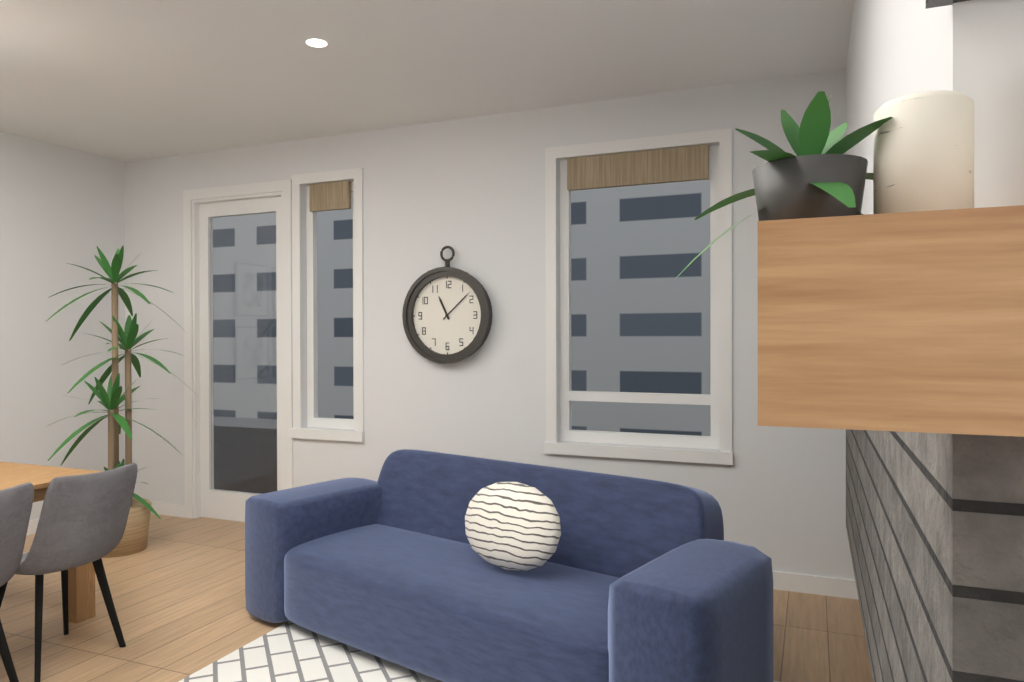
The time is 11 h 08 min
